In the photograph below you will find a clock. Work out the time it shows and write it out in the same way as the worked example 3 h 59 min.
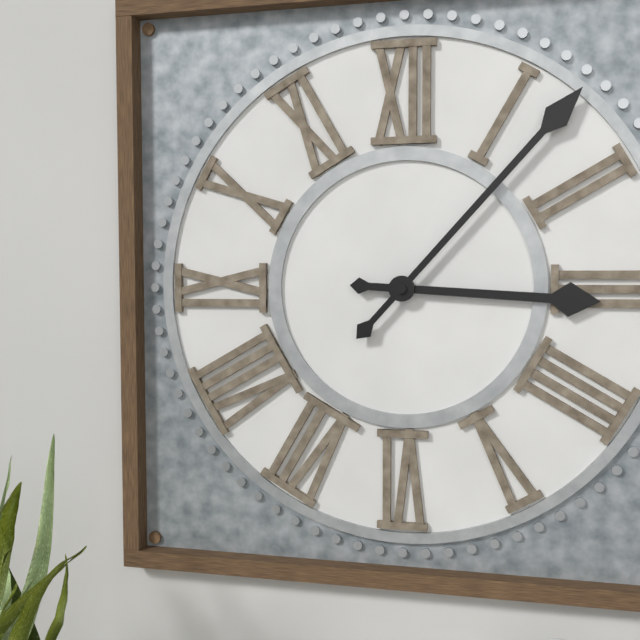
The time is 3 h 07 min
